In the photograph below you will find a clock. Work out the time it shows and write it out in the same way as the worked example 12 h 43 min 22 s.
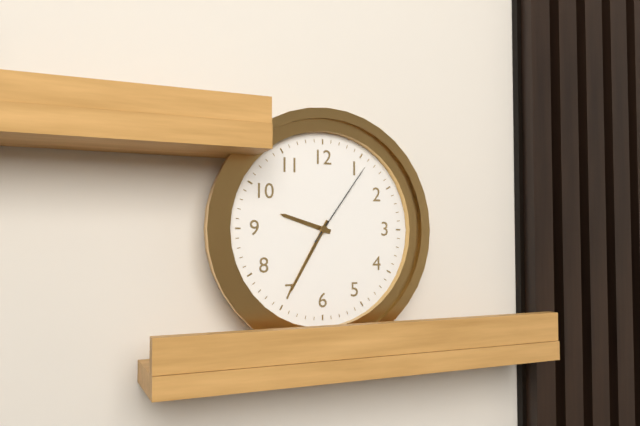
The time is 9 h 35 min 06 s
